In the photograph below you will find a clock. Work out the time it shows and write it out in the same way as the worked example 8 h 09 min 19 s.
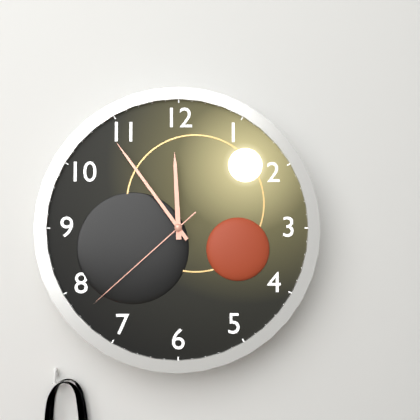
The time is 11 h 54 min 38 s
